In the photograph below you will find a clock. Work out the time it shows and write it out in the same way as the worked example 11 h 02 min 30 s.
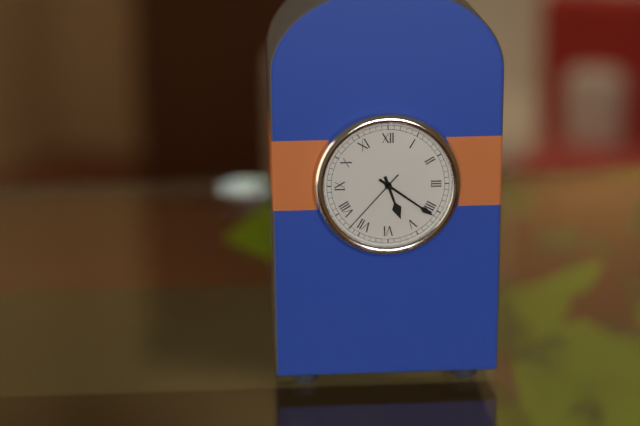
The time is 5 h 21 min 37 s
